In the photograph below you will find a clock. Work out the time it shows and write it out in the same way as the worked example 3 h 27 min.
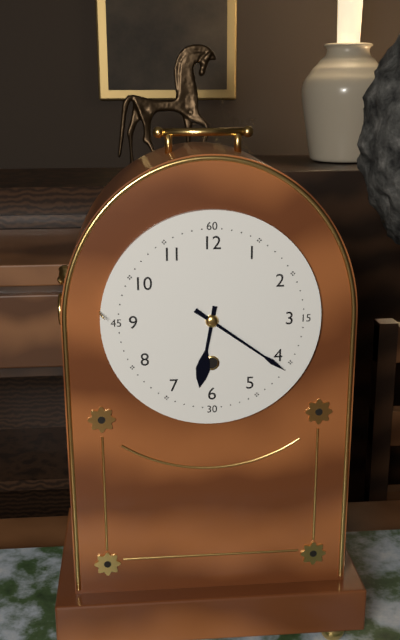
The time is 6 h 21 min
